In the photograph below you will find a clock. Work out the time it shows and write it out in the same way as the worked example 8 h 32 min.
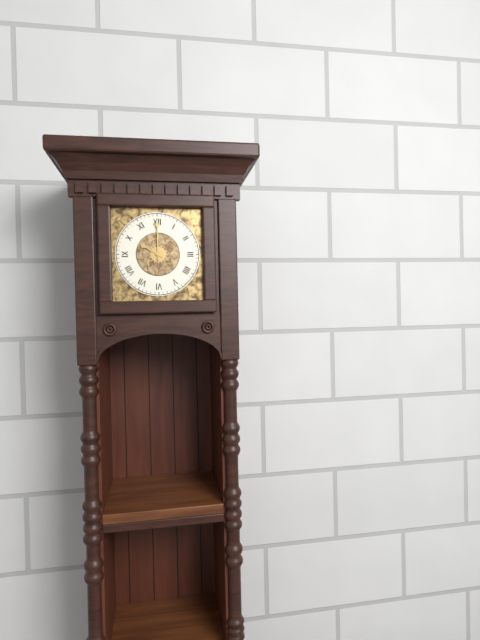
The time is 10 h 00 min
